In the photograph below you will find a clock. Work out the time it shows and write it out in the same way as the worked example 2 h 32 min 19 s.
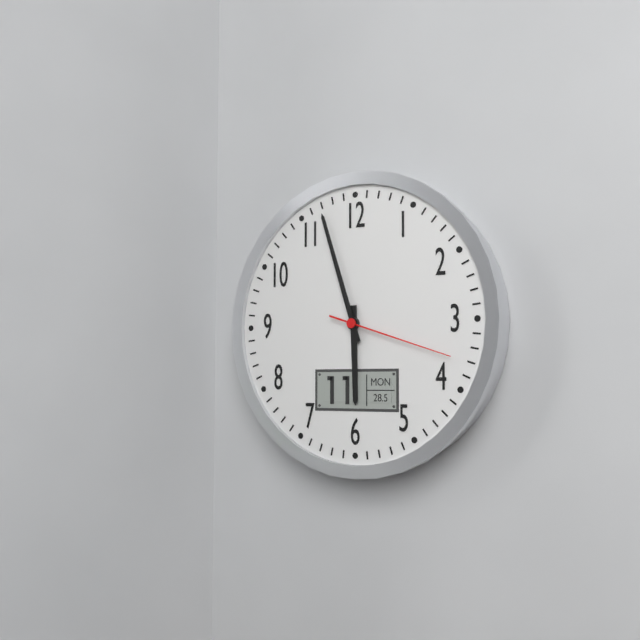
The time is 5 h 57 min 18 s
